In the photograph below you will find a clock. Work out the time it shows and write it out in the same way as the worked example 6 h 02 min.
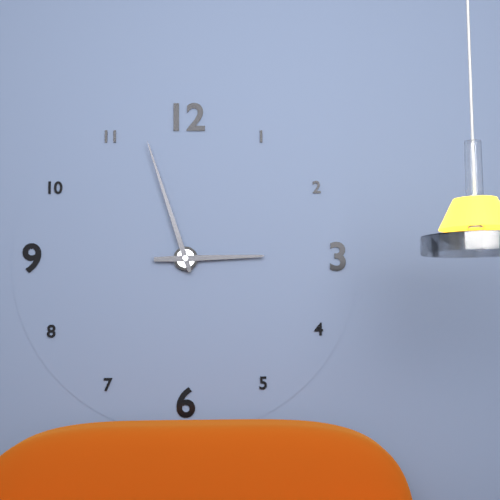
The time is 2 h 57 min
